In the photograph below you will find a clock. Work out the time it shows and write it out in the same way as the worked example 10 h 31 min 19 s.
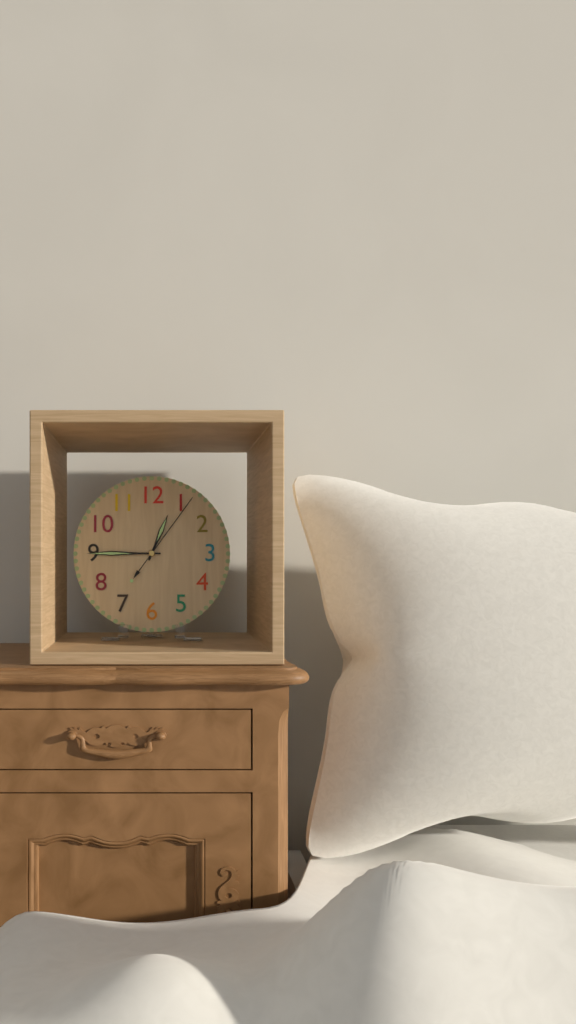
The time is 12 h 45 min 06 s
